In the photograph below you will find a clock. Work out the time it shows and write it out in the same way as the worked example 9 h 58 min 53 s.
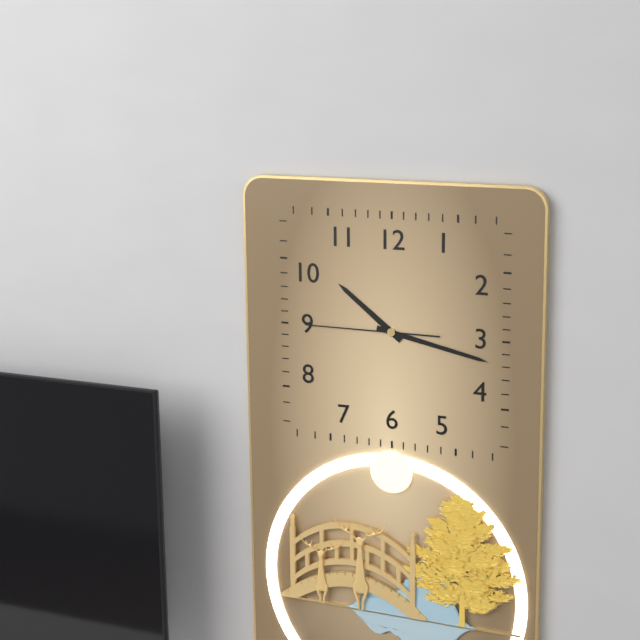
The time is 10 h 17 min 45 s
